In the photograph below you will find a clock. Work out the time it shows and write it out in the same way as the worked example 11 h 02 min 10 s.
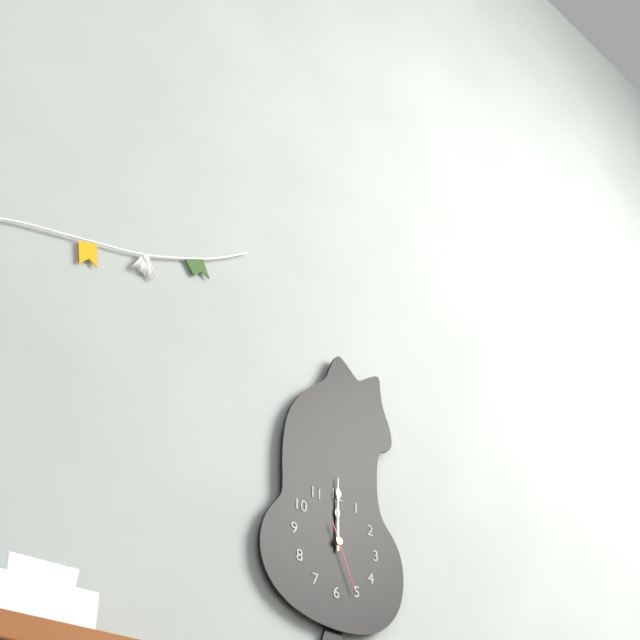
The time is 12 h 00 min 26 s
